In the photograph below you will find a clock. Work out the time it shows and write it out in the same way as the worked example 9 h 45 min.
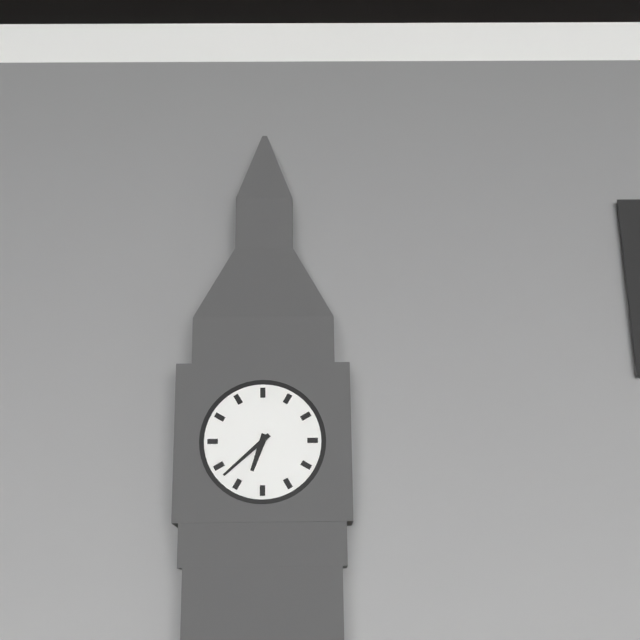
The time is 6 h 38 min
